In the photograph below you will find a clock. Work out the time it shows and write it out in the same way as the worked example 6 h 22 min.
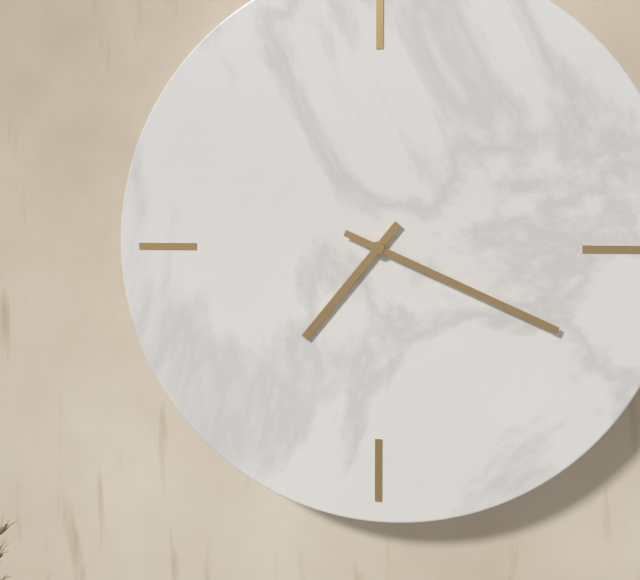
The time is 7 h 19 min
